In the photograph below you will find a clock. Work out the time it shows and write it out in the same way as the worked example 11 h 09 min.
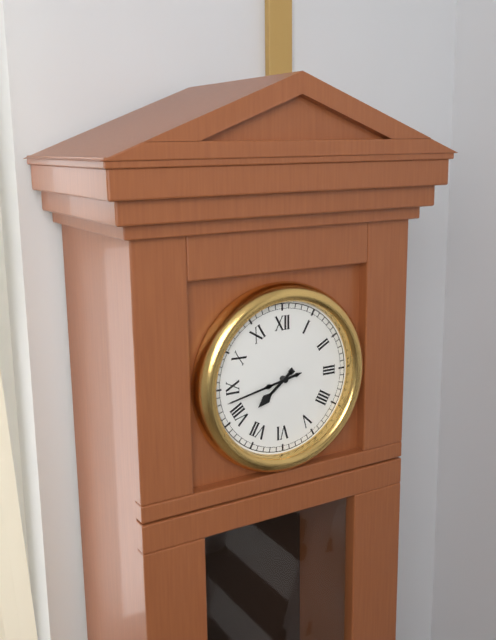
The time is 7 h 43 min
